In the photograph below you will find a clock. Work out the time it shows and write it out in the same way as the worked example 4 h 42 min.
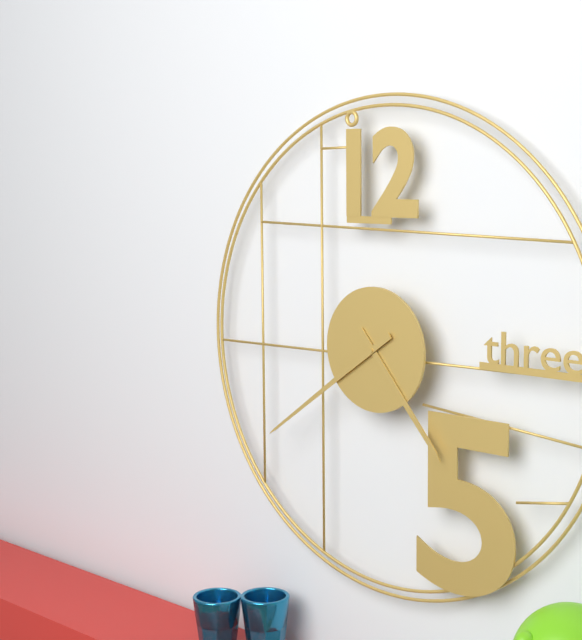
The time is 4 h 39 min
